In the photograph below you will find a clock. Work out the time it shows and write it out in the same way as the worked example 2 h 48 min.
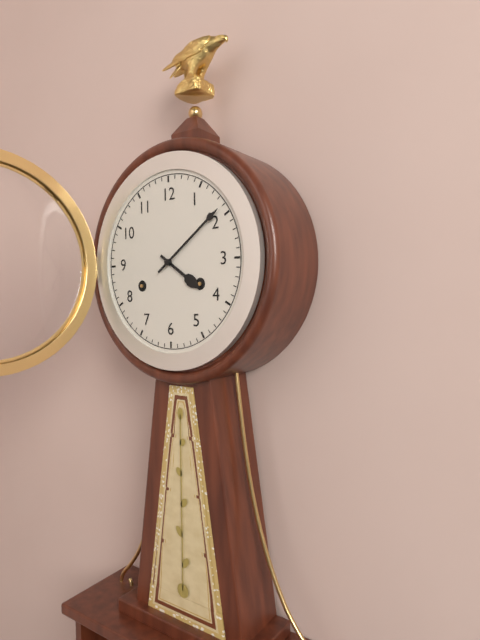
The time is 4 h 09 min
